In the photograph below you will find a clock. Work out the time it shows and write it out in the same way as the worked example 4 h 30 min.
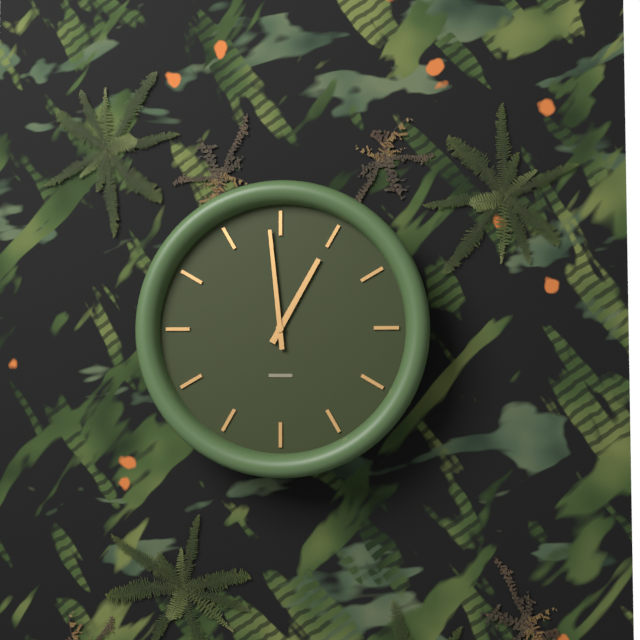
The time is 12 h 59 min
